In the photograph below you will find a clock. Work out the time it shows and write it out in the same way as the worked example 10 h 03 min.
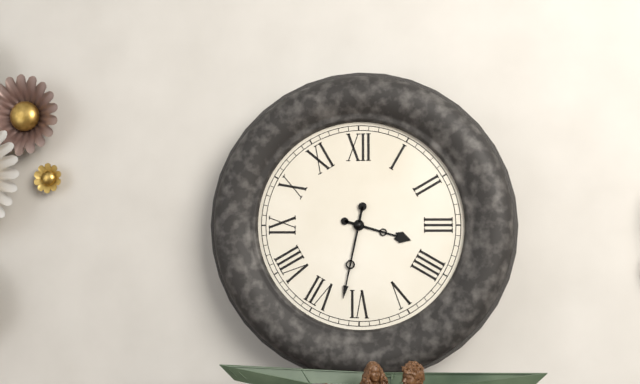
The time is 3 h 32 min
